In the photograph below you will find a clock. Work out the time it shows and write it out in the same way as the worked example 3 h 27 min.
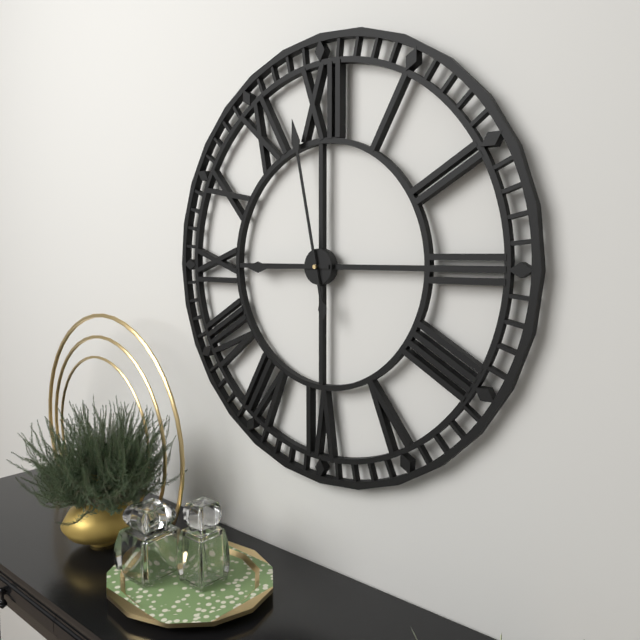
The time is 8 h 58 min
